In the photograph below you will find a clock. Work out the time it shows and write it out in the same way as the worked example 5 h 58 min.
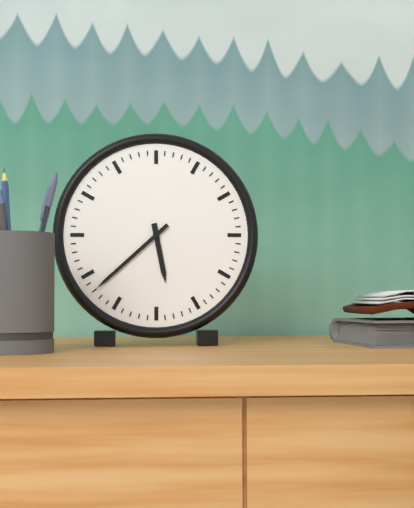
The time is 5 h 38 min
